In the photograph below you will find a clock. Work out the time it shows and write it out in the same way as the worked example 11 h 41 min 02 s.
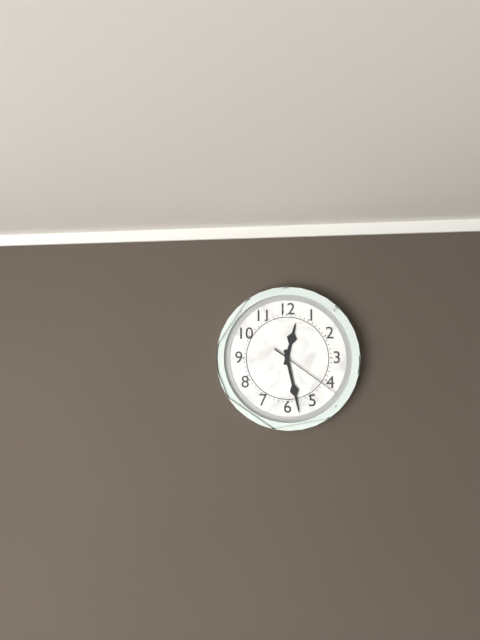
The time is 12 h 28 min 21 s
